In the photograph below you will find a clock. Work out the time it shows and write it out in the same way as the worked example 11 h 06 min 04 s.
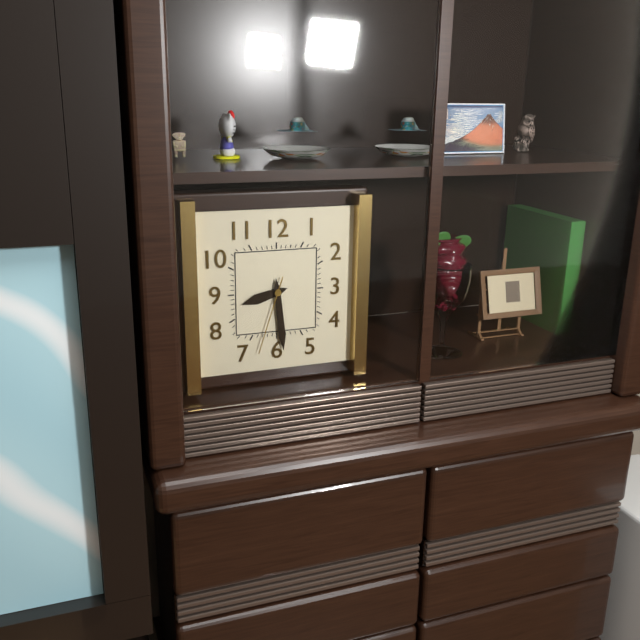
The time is 8 h 29 min 33 s
